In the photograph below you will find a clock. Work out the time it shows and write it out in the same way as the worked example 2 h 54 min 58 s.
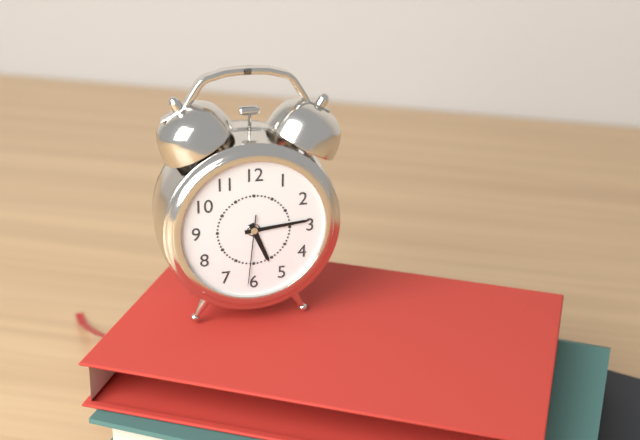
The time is 5 h 14 min 31 s
